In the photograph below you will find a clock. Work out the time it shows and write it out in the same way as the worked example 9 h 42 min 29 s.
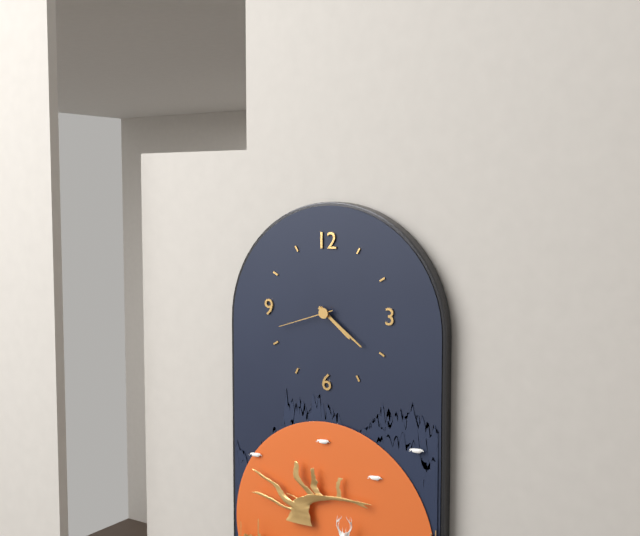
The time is 4 h 21 min 42 s
